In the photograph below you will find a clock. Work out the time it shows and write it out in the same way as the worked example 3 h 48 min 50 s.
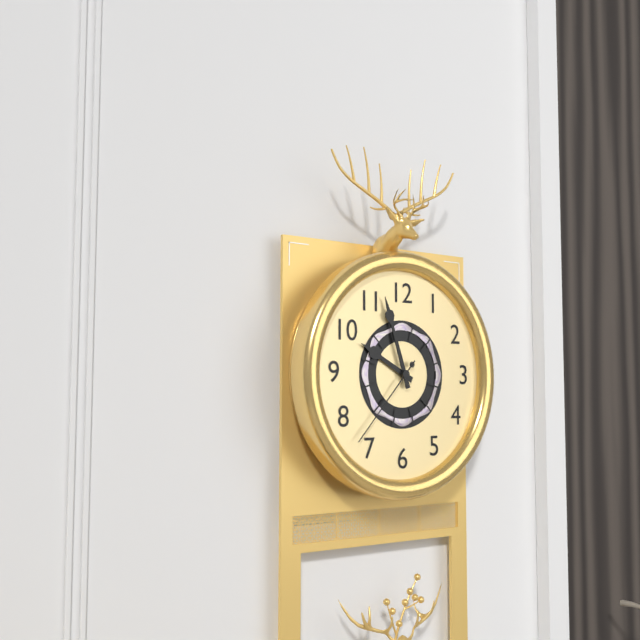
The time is 9 h 57 min 37 s
